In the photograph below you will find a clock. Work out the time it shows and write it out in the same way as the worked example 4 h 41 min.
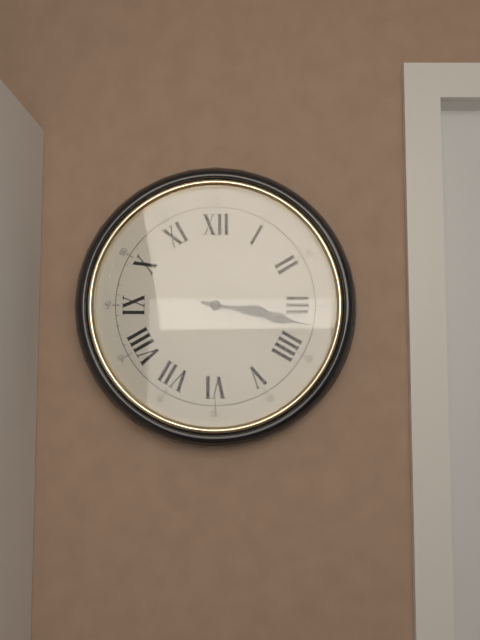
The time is 3 h 17 min
